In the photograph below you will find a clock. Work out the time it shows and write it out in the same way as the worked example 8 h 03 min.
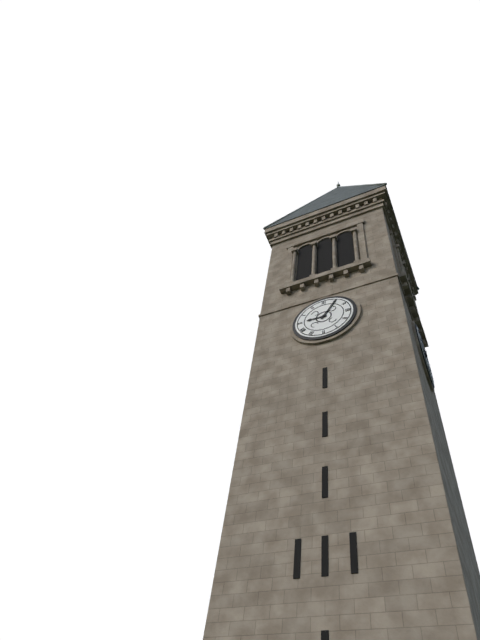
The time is 9 h 05 min
